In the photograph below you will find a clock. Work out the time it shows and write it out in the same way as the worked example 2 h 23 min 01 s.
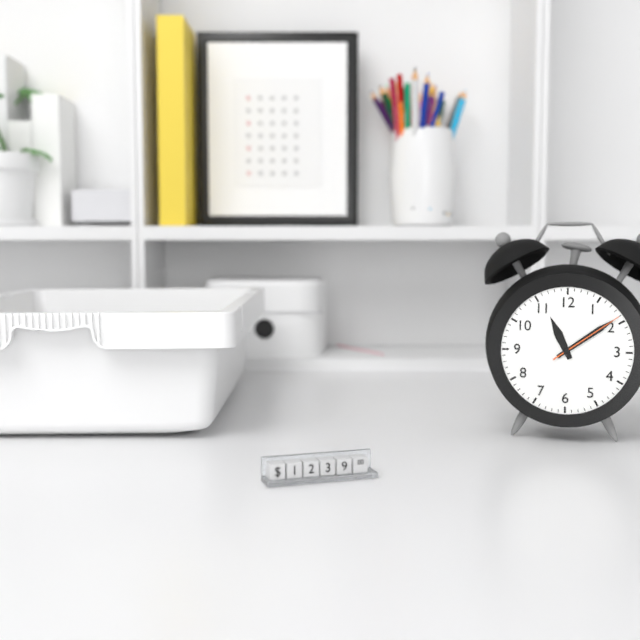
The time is 11 h 09 min 09 s
